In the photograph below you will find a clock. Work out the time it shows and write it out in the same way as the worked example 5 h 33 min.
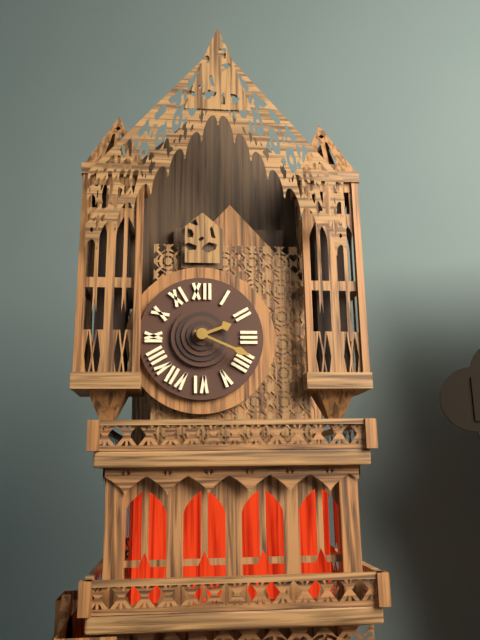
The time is 2 h 19 min
